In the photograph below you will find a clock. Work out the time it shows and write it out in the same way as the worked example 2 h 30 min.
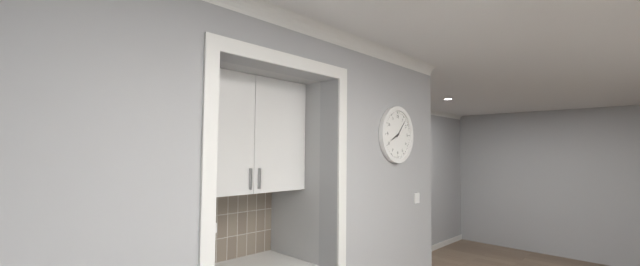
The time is 8 h 07 min
